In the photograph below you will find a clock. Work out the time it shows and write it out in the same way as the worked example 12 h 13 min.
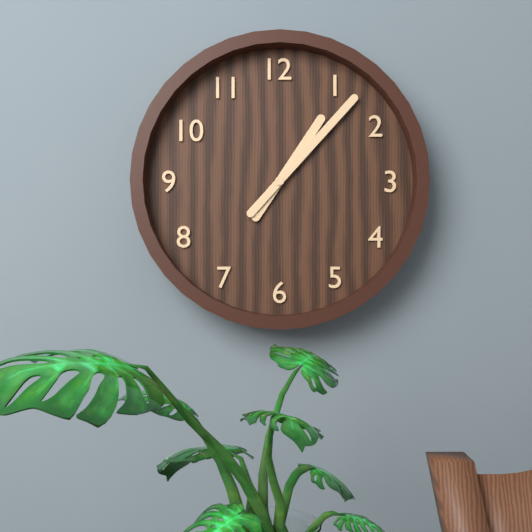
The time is 1 h 07 min
